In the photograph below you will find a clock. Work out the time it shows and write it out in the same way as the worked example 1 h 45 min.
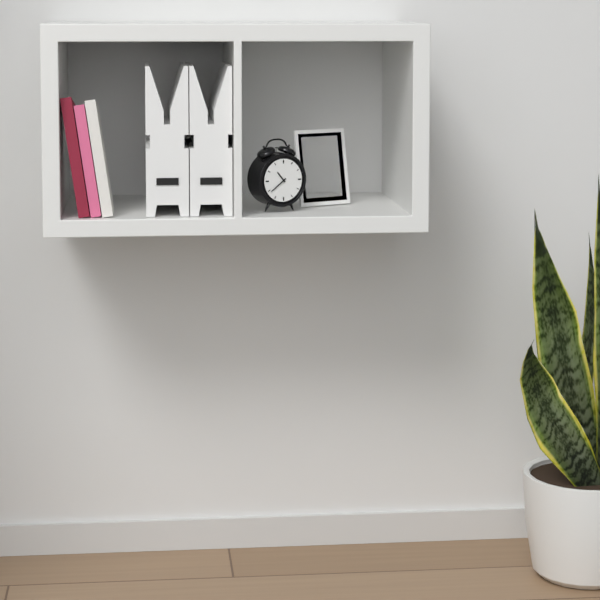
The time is 10 h 39 min
